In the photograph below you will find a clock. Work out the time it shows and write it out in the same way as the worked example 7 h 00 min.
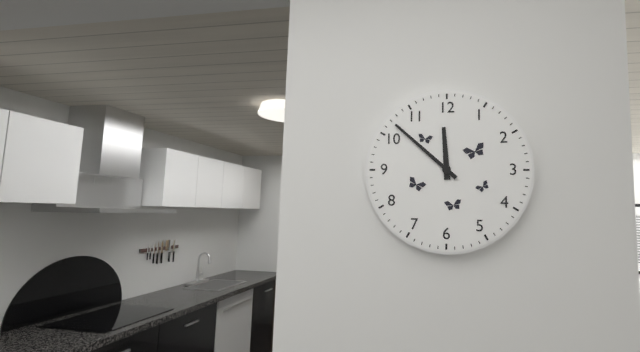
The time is 11 h 52 min
